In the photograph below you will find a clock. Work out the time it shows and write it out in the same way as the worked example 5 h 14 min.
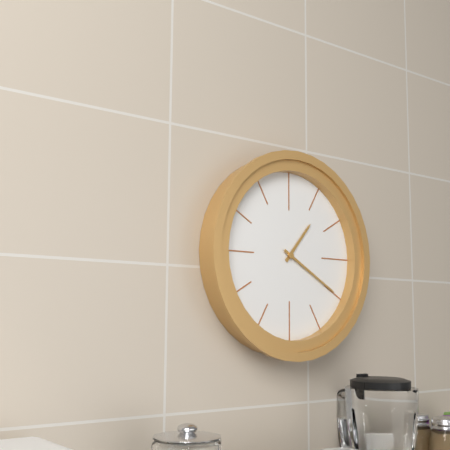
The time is 1 h 20 min
